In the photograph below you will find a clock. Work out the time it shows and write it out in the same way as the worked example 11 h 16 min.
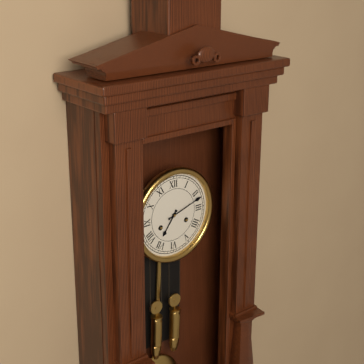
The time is 7 h 12 min
